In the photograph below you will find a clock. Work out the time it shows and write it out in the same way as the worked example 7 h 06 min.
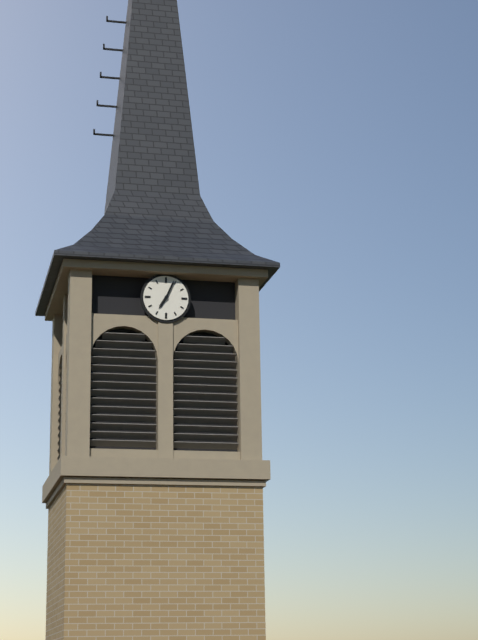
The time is 7 h 04 min
